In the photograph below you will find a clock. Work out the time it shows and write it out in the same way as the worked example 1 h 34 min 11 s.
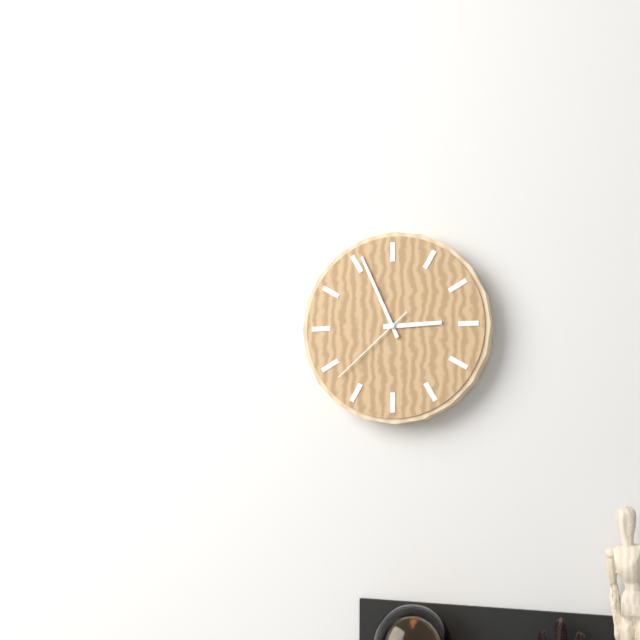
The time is 2 h 56 min 38 s
